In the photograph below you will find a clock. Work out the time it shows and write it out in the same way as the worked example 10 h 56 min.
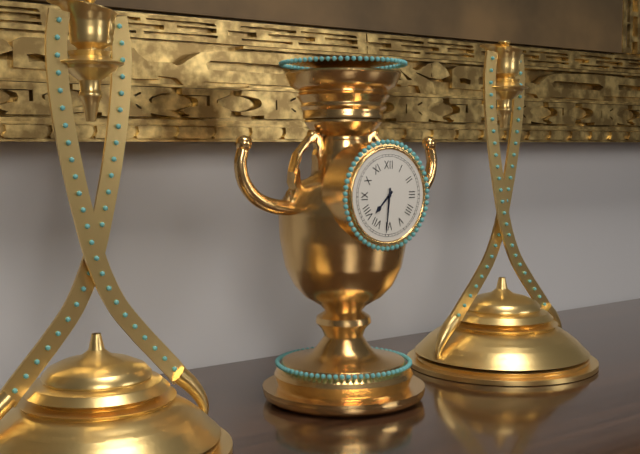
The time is 7 h 31 min
